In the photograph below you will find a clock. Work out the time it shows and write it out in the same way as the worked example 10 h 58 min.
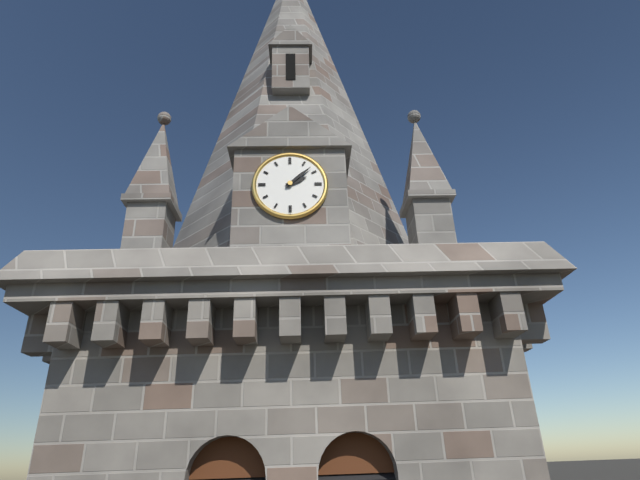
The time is 2 h 08 min
